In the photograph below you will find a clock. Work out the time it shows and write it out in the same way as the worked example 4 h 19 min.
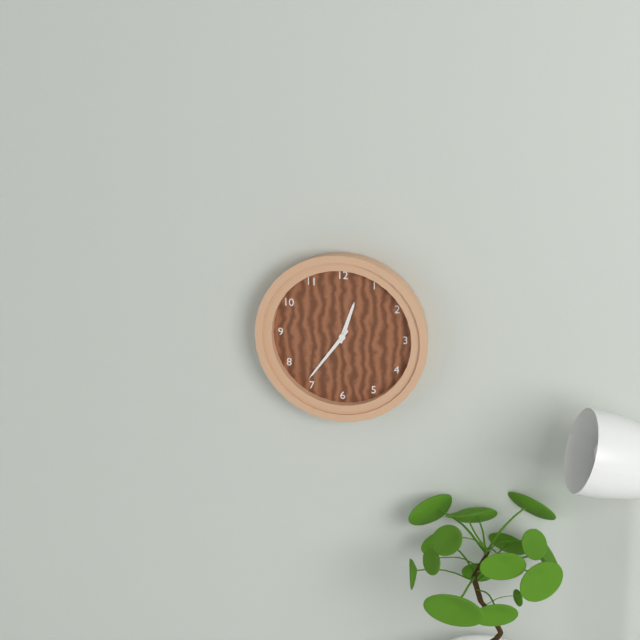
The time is 12 h 36 min
